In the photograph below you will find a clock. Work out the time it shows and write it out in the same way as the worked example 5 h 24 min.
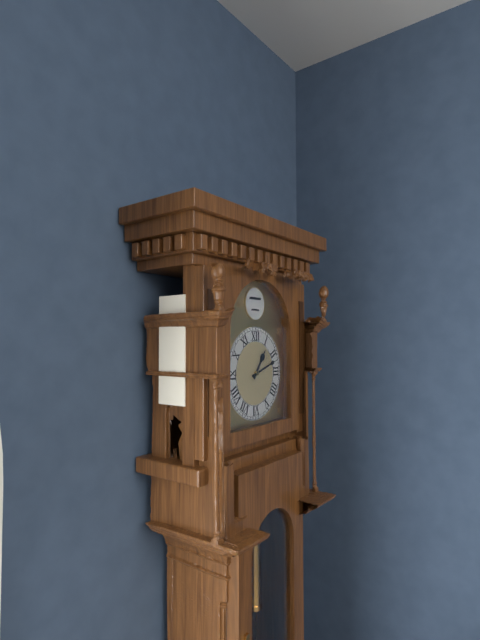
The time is 1 h 12 min
